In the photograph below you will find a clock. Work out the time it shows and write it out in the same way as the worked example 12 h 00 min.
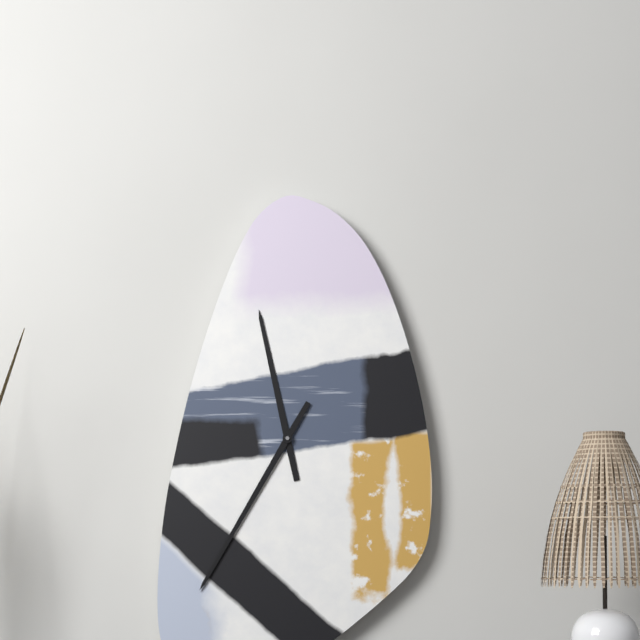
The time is 11 h 35 min
